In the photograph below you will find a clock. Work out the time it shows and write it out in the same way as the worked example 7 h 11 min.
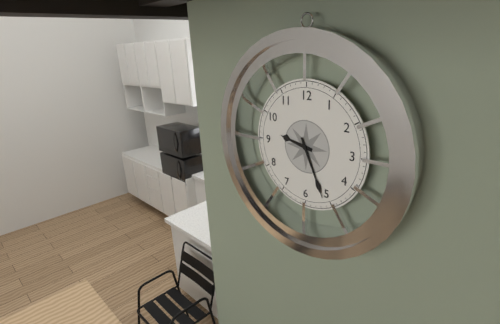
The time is 9 h 26 min
